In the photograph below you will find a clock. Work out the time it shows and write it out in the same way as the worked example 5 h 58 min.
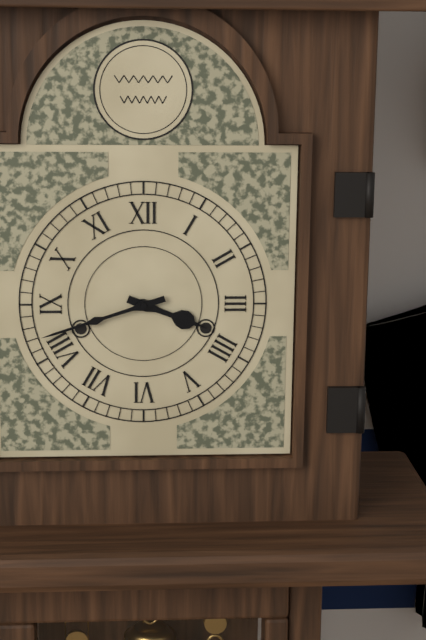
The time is 3 h 42 min
